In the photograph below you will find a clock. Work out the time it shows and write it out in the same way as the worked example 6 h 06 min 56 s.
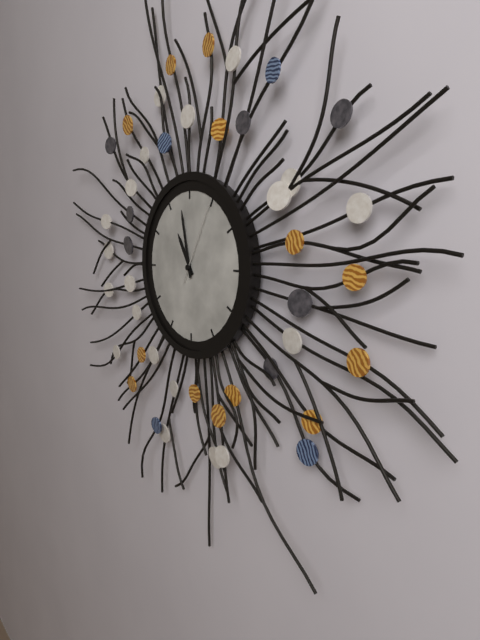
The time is 10 h 58 min 05 s
